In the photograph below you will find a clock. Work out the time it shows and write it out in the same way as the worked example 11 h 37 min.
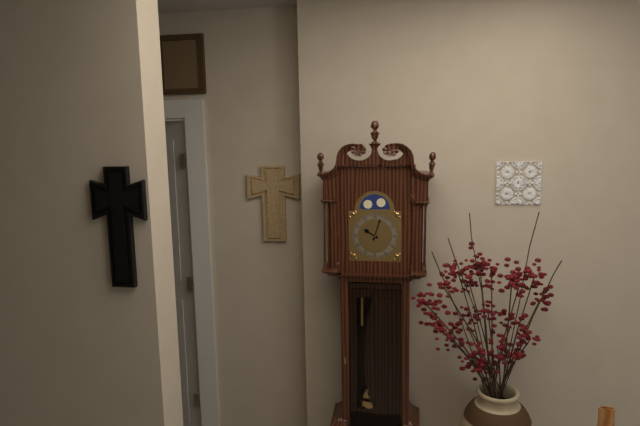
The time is 10 h 03 min
